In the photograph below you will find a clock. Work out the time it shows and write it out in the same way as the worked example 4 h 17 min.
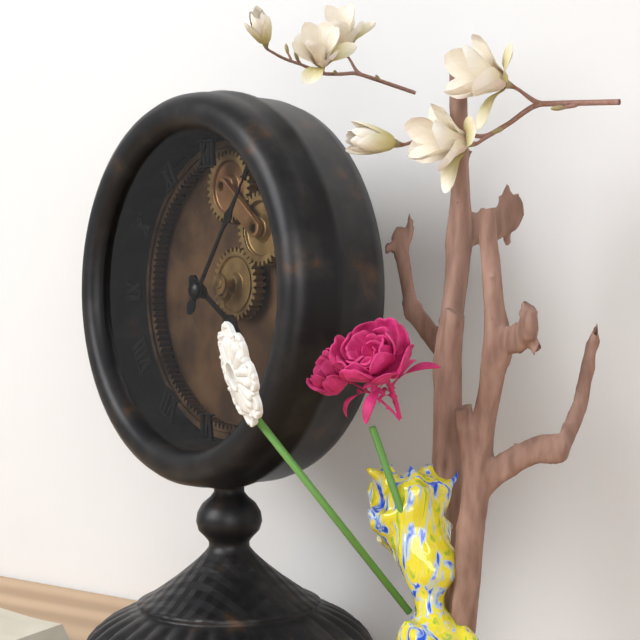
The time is 4 h 06 min
